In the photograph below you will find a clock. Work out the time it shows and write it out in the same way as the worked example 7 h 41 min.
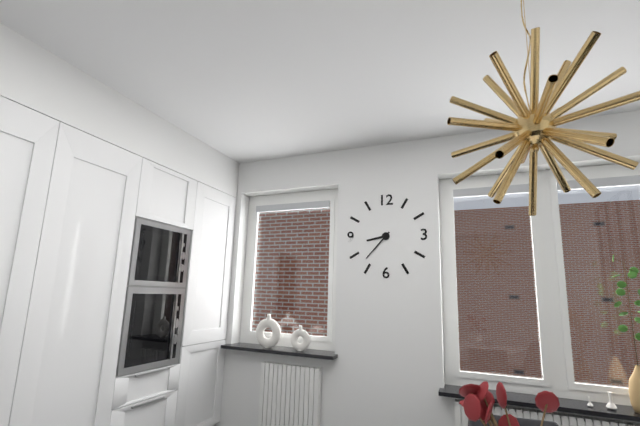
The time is 8 h 37 min
